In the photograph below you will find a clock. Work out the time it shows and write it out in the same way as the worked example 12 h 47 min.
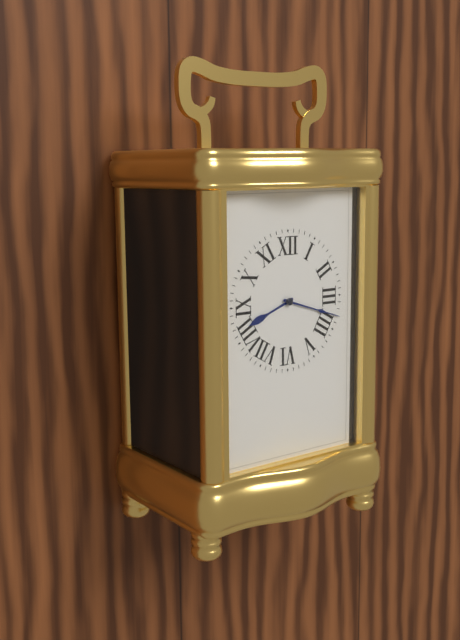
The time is 8 h 18 min
